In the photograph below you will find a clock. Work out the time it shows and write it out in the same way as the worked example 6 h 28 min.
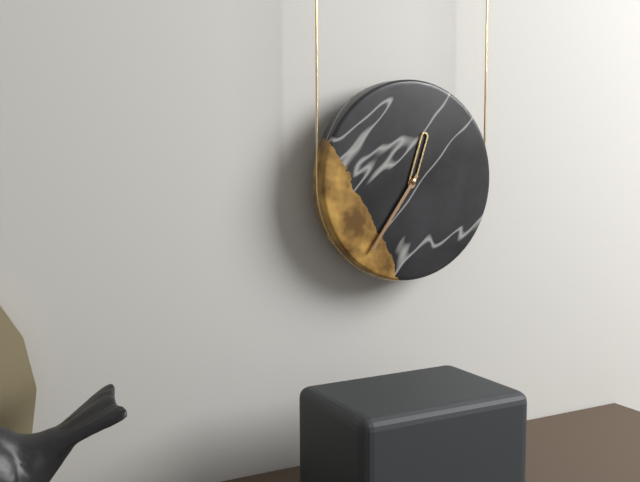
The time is 12 h 36 min
